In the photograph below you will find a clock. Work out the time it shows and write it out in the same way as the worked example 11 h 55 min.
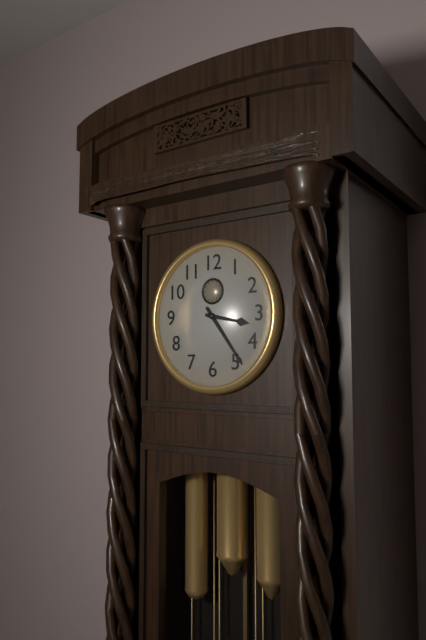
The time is 3 h 24 min
